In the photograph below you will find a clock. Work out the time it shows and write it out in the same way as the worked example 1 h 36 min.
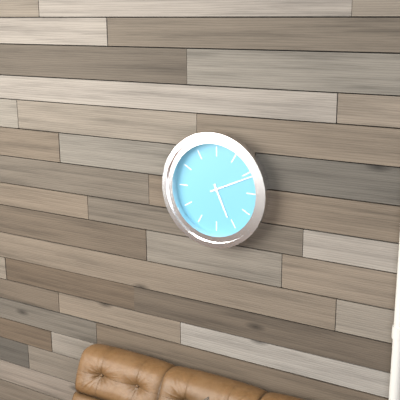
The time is 5 h 11 min
